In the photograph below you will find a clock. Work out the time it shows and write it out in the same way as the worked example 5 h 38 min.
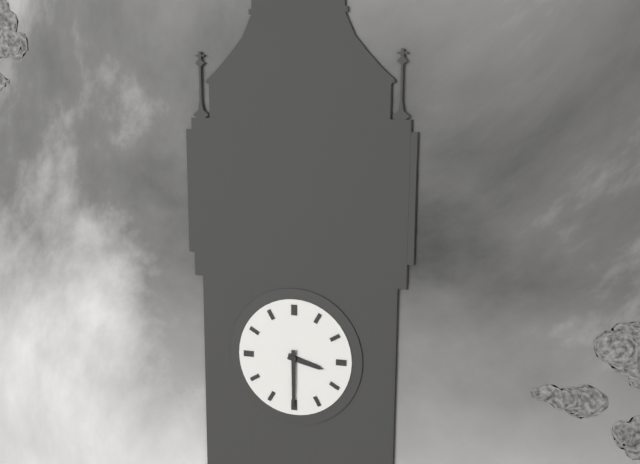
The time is 3 h 30 min
